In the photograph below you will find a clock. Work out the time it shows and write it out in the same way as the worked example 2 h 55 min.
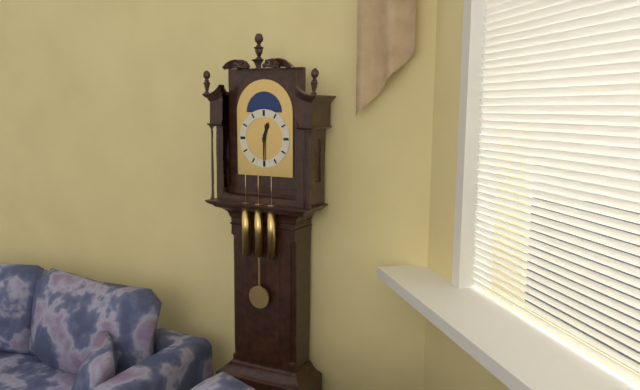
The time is 12 h 30 min
